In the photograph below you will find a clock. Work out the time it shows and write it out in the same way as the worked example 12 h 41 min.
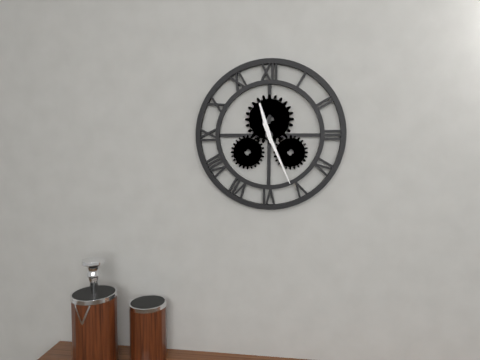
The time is 11 h 26 min
